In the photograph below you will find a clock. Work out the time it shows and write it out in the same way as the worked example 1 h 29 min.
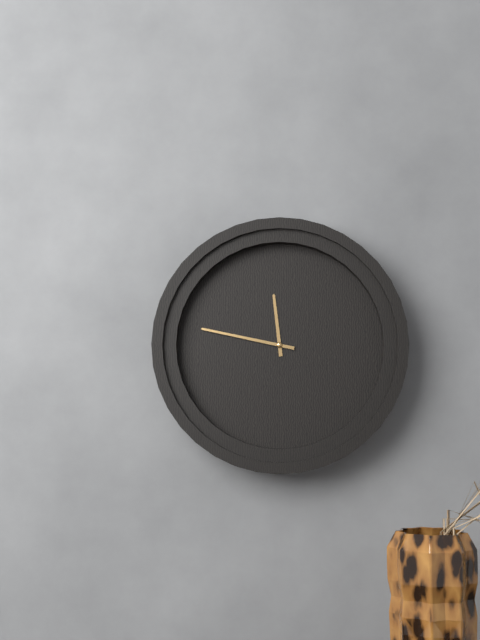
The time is 11 h 47 min
